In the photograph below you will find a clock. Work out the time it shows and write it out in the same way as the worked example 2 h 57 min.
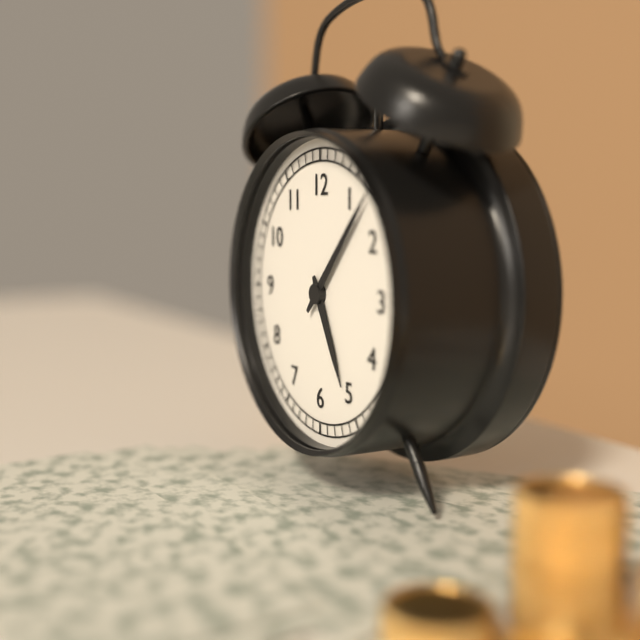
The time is 5 h 07 min
